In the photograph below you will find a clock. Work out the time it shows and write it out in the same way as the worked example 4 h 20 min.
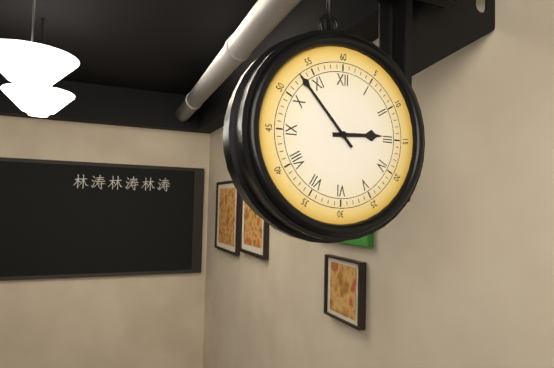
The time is 2 h 53 min
